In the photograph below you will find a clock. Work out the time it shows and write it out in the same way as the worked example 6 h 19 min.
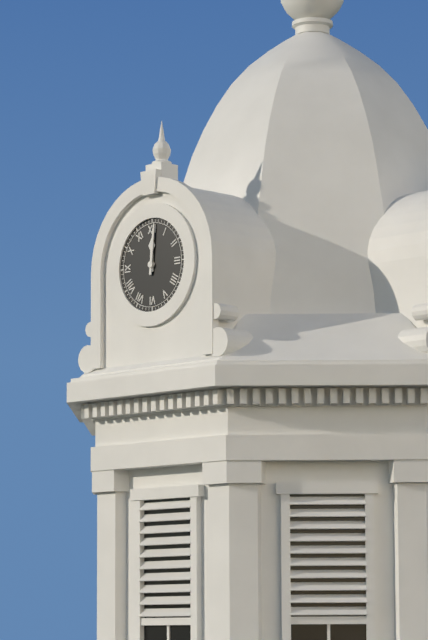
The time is 12 h 01 min
